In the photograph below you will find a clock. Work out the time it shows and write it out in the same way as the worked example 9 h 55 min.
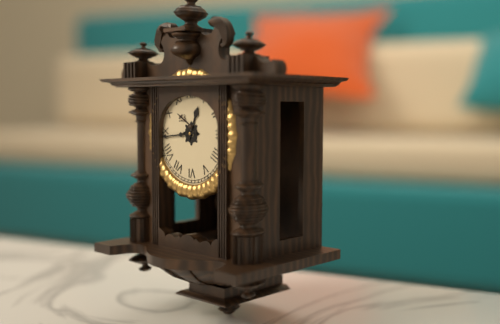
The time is 12 h 44 min
